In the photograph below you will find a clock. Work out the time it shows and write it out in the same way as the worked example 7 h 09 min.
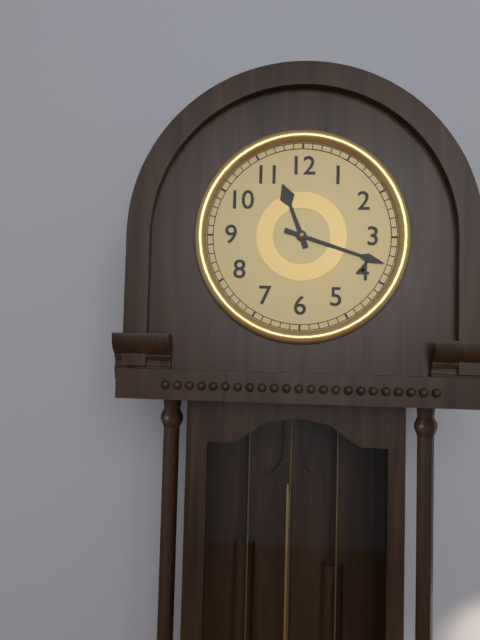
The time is 11 h 18 min
